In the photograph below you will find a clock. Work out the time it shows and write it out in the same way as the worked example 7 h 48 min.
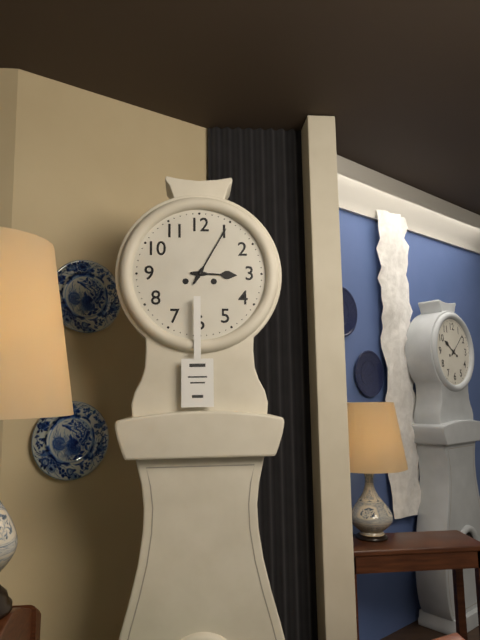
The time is 3 h 05 min
